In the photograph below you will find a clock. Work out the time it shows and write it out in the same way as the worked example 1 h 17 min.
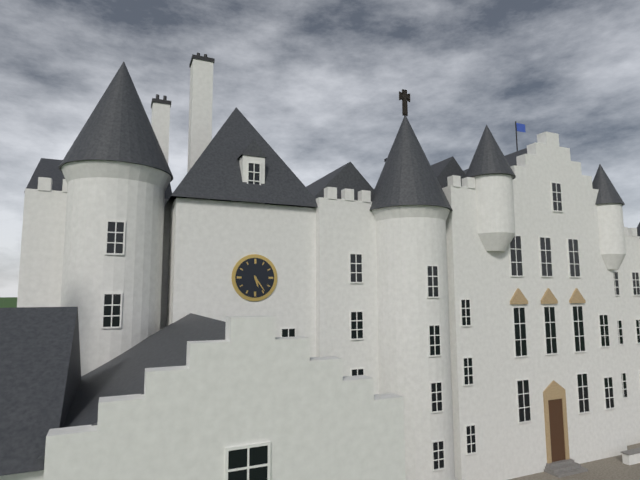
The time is 5 h 24 min
